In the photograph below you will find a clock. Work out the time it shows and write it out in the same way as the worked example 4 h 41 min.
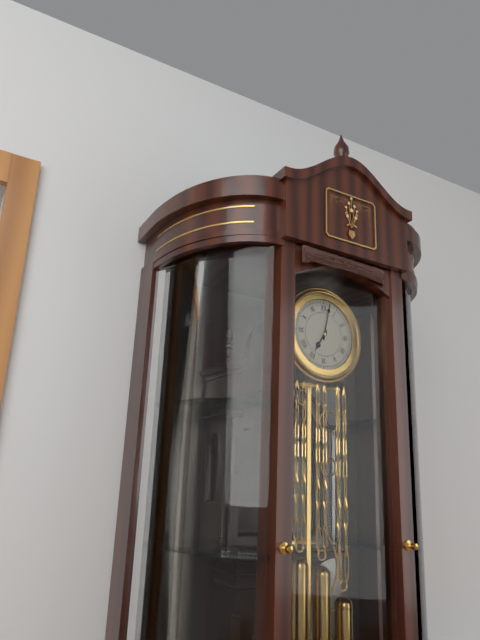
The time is 7 h 02 min
